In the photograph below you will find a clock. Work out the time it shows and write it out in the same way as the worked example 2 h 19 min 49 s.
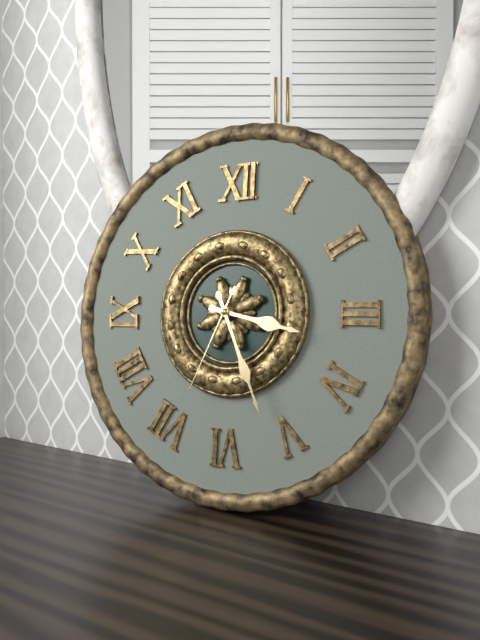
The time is 3 h 26 min 34 s
